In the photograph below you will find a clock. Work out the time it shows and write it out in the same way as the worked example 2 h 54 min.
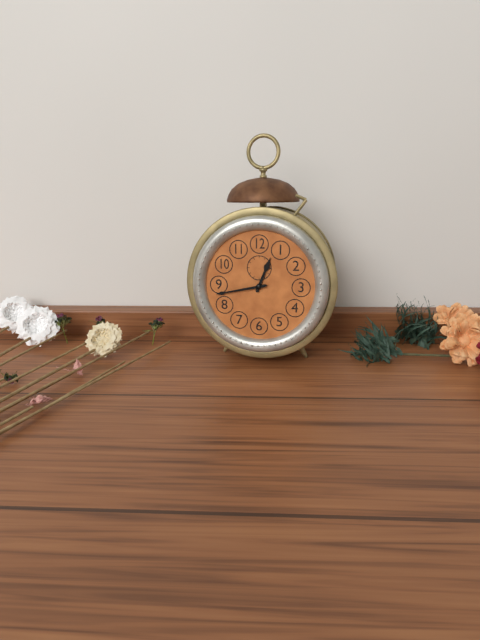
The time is 12 h 43 min
